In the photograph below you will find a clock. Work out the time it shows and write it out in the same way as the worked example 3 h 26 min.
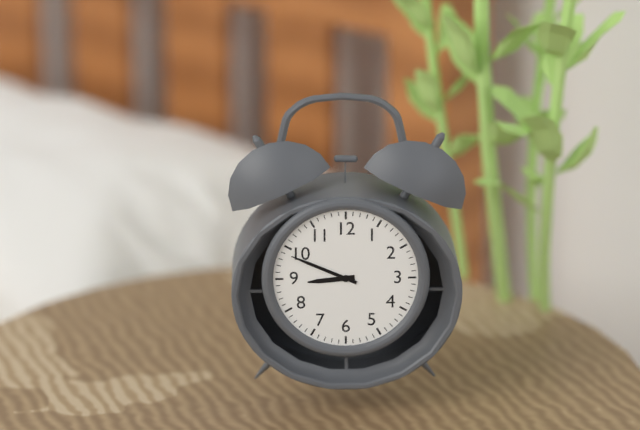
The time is 8 h 49 min
